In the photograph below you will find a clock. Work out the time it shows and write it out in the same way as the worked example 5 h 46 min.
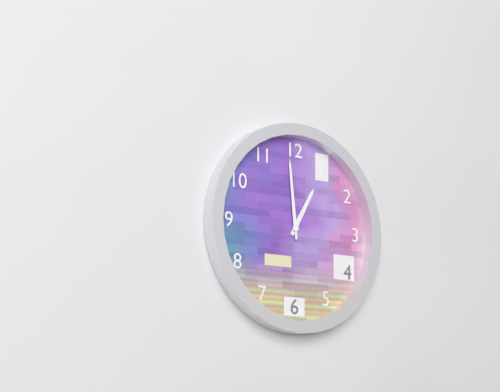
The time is 12 h 59 min
